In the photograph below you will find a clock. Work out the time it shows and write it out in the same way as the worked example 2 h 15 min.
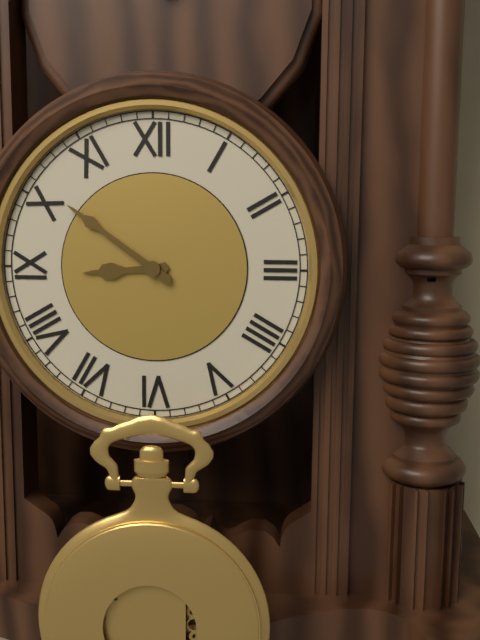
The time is 8 h 51 min
